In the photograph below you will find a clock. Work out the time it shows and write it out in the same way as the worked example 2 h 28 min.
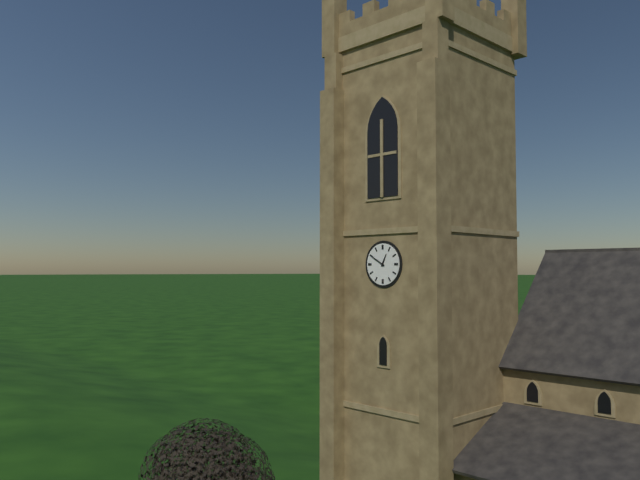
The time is 12 h 50 min
